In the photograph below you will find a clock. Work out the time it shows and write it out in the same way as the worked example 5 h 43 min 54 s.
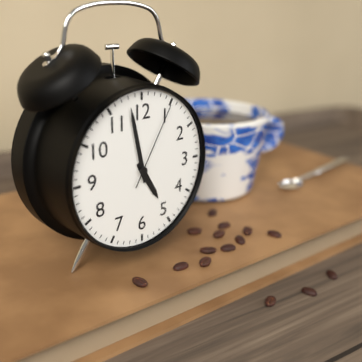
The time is 4 h 58 min 05 s
